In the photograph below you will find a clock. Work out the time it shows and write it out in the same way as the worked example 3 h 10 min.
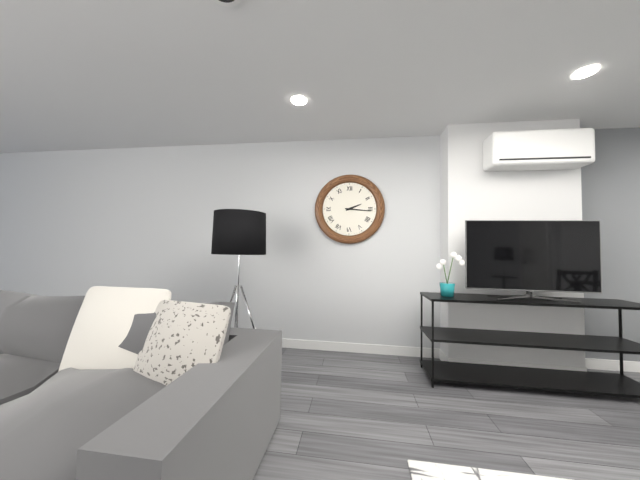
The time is 2 h 16 min
